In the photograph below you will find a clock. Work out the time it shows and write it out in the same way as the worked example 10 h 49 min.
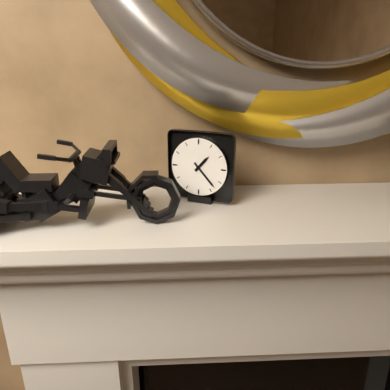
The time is 1 h 23 min
